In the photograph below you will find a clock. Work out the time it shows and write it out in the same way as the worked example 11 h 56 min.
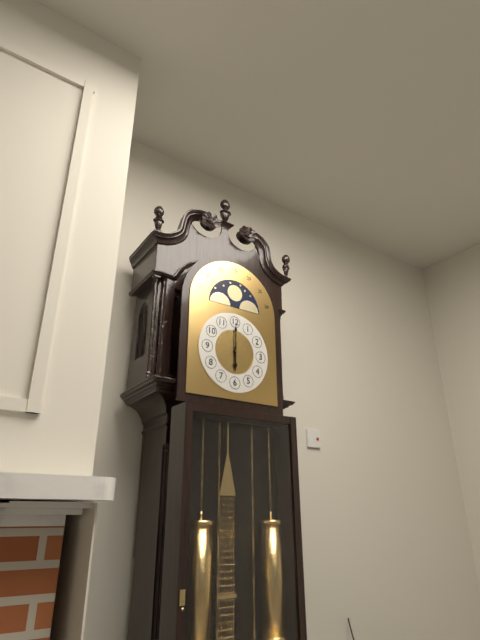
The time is 6 h 00 min
